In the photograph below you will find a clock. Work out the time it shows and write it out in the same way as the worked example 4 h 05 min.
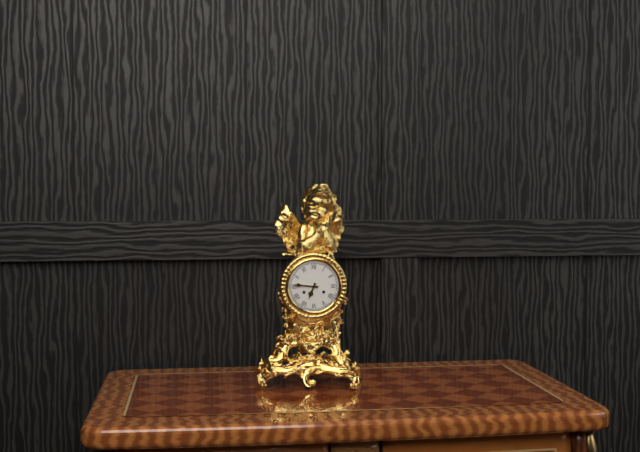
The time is 6 h 46 min
